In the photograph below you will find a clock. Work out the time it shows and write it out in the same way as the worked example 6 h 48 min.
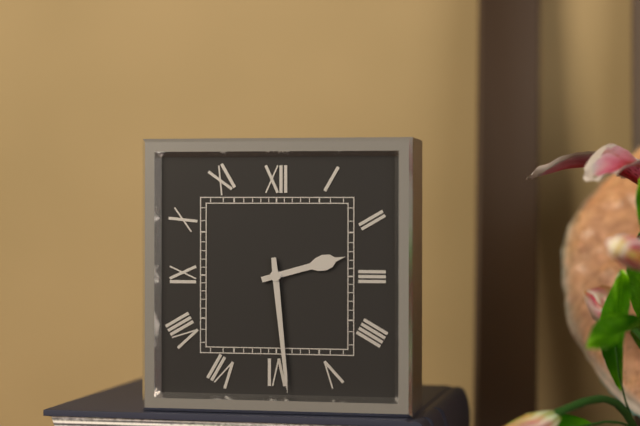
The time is 2 h 29 min
